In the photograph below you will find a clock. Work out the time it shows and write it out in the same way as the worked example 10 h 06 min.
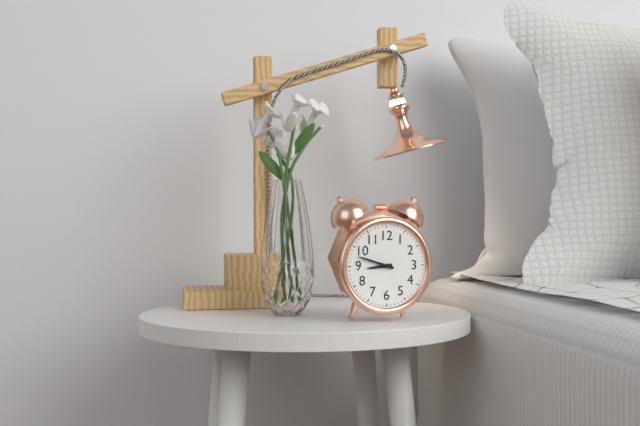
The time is 8 h 48 min
